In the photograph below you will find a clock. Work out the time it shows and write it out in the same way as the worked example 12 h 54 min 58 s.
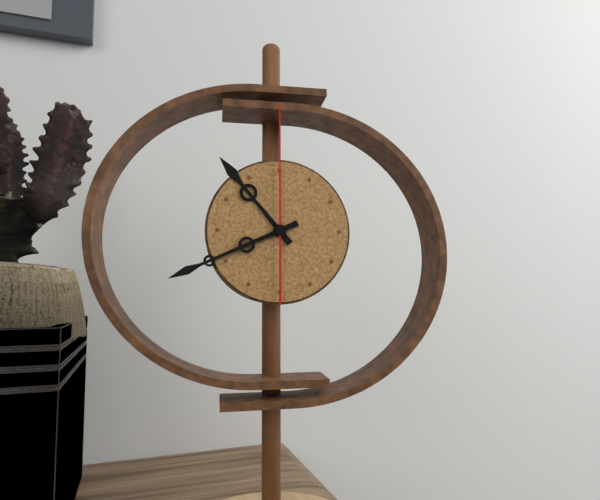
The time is 10 h 41 min 00 s
